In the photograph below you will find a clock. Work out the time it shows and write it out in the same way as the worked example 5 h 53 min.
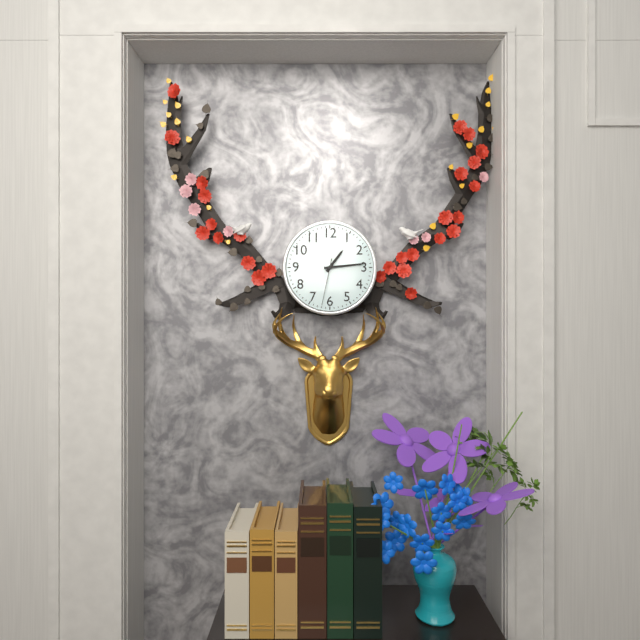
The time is 1 h 14 min
